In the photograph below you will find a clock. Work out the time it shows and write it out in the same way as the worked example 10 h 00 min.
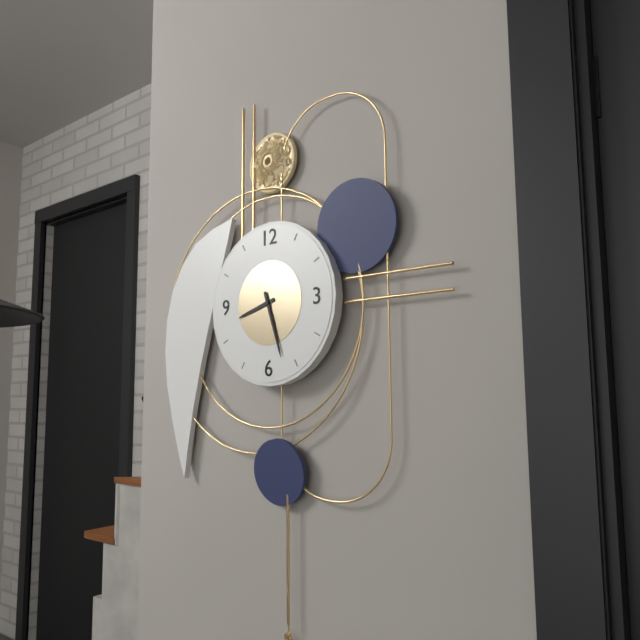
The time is 8 h 27 min
